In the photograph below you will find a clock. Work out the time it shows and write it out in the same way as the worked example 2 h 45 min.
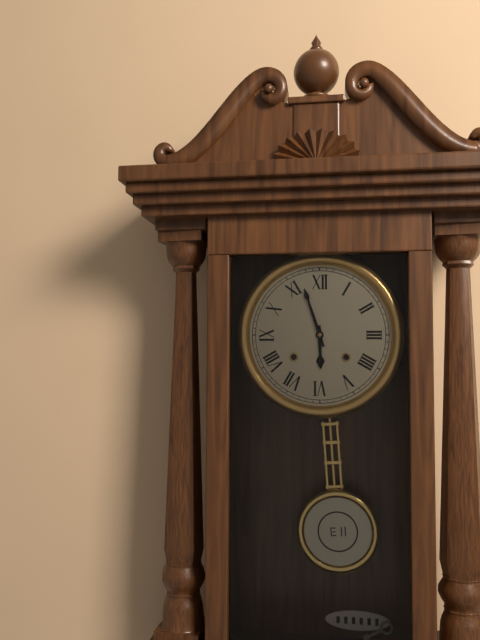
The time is 5 h 57 min
